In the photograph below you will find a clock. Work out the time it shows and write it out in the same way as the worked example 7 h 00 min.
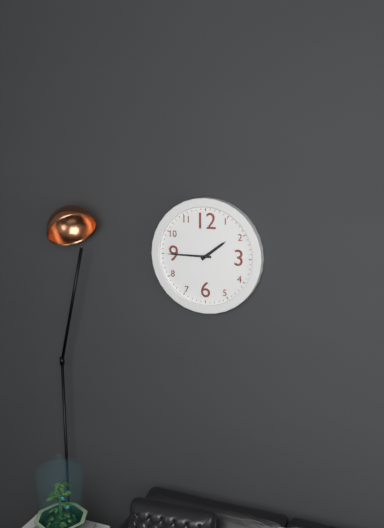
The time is 1 h 45 min
